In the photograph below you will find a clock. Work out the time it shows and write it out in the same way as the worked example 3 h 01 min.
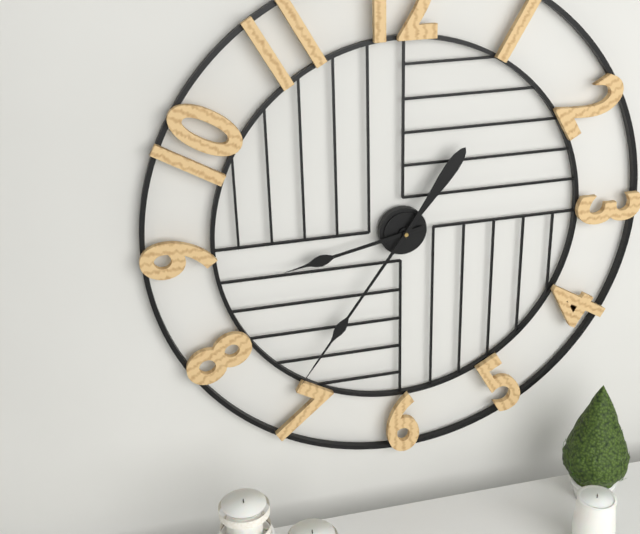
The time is 8 h 36 min
